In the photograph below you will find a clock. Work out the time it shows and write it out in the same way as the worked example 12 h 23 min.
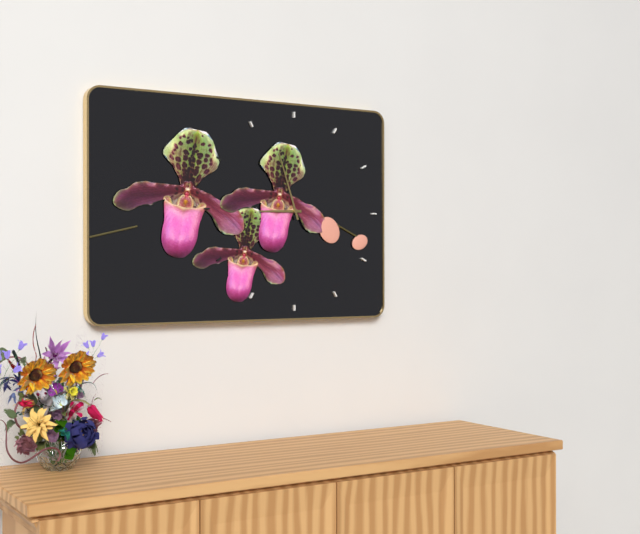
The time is 8 h 57 min
